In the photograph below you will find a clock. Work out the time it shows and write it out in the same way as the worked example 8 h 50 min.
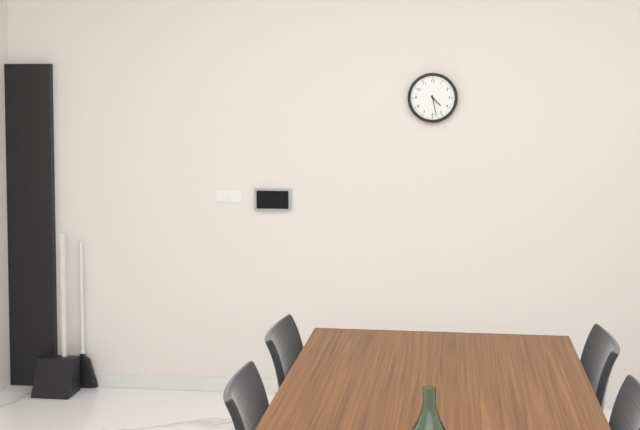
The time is 4 h 28 min
